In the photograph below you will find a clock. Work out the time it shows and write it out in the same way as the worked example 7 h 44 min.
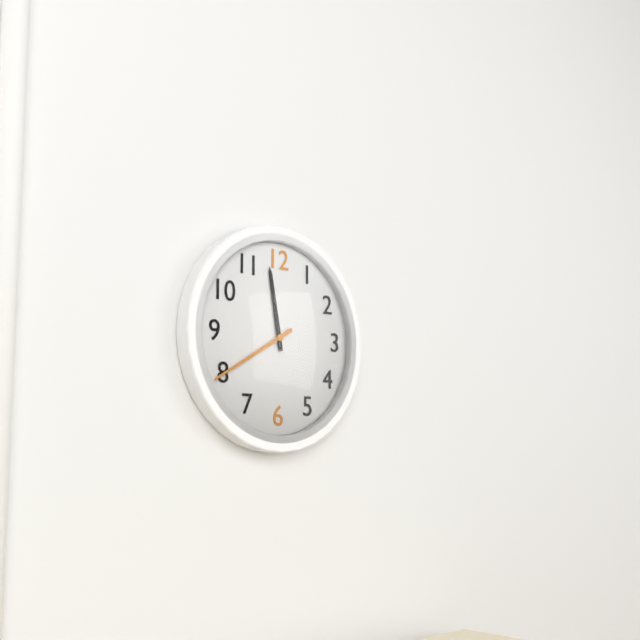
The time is 11 h 40 min
